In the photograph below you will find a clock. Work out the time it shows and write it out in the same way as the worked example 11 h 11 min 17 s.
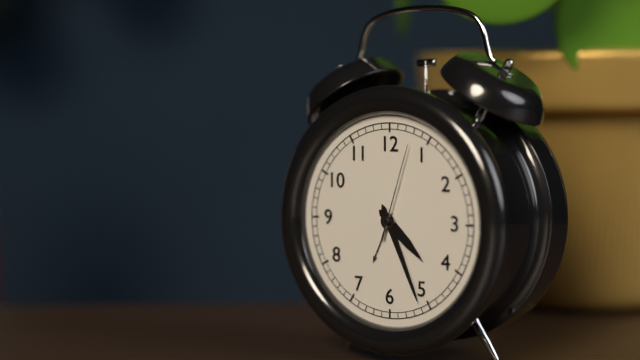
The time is 4 h 26 min 03 s
